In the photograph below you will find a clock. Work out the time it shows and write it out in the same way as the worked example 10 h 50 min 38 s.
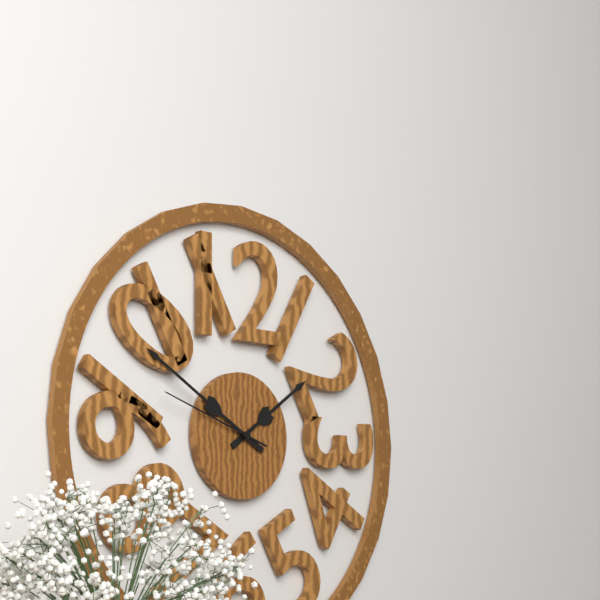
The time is 1 h 50 min 48 s
